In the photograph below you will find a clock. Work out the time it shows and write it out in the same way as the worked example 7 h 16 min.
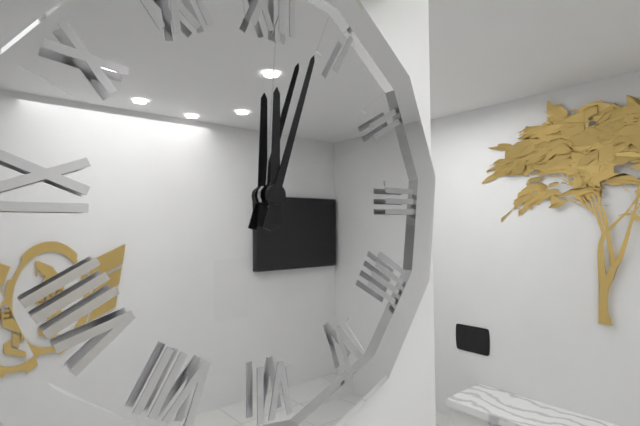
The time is 12 h 03 min
